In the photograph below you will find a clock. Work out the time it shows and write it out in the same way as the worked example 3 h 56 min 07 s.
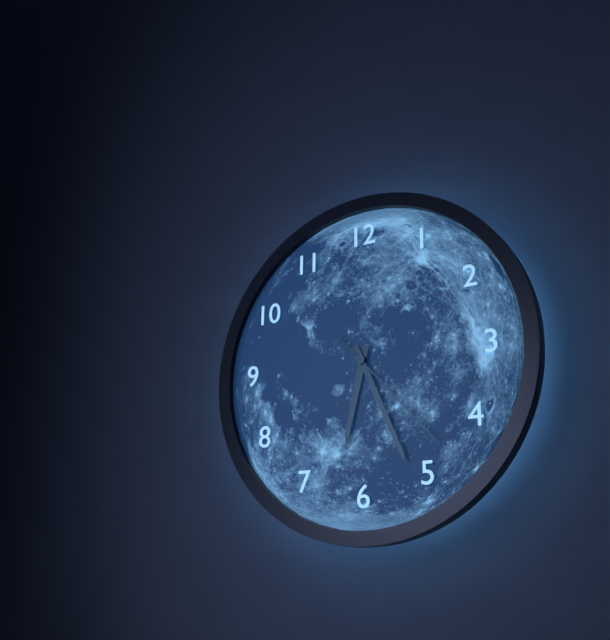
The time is 6 h 26 min 23 s
